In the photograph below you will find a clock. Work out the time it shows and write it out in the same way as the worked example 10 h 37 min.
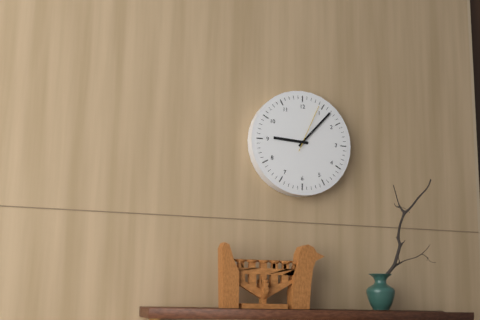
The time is 9 h 07 min
